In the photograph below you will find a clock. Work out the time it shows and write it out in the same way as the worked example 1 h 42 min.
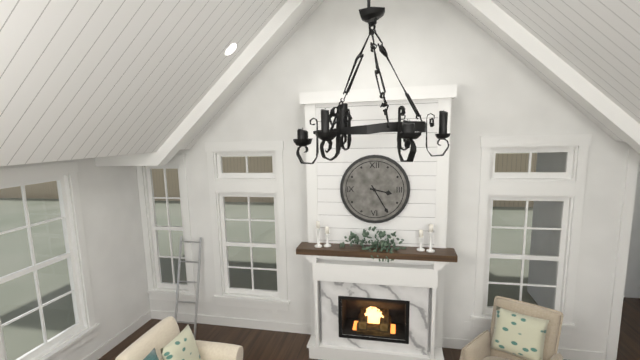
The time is 3 h 25 min
